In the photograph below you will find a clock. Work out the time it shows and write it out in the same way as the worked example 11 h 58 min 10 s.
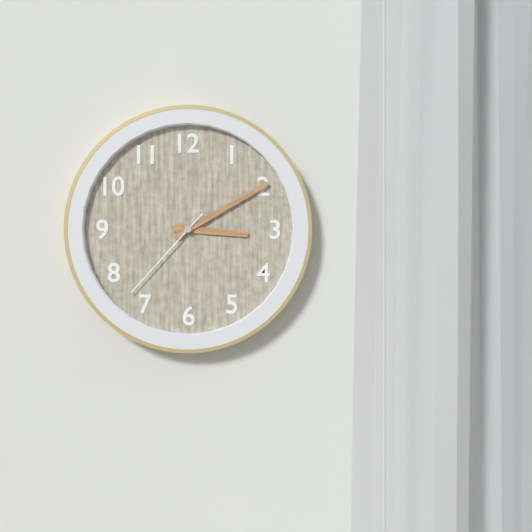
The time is 3 h 10 min 37 s
